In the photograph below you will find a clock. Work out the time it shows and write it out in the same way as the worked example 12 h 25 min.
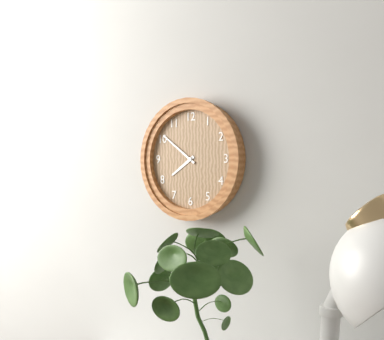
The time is 7 h 51 min
